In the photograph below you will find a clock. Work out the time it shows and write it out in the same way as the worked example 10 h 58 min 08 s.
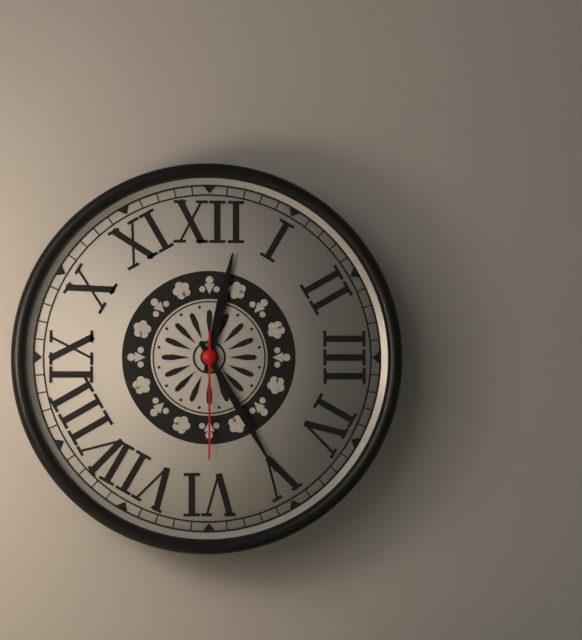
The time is 12 h 25 min 30 s
